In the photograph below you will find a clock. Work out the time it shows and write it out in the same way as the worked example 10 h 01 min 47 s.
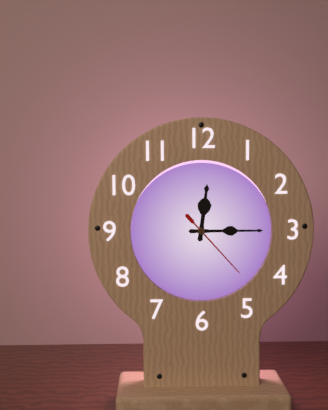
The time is 12 h 15 min 23 s
